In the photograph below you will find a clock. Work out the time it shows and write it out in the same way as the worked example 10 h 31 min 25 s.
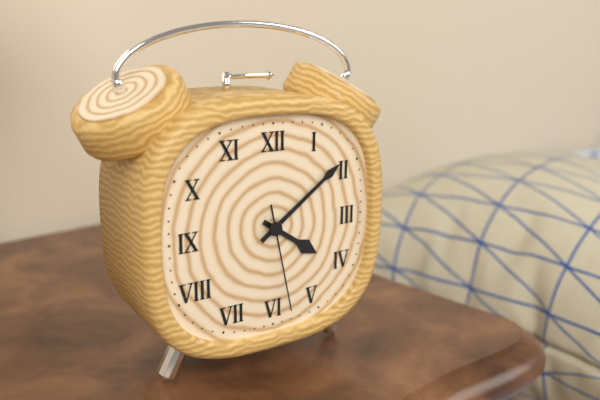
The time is 4 h 09 min 28 s
